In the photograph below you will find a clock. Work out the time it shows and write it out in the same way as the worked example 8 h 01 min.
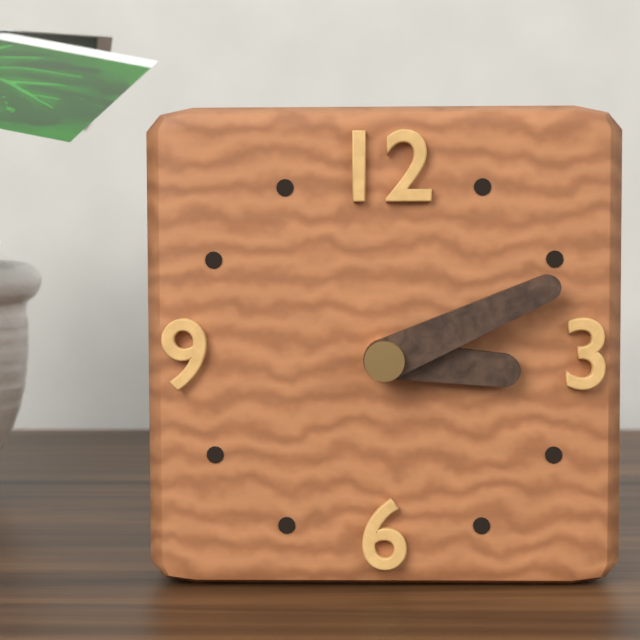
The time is 3 h 11 min
